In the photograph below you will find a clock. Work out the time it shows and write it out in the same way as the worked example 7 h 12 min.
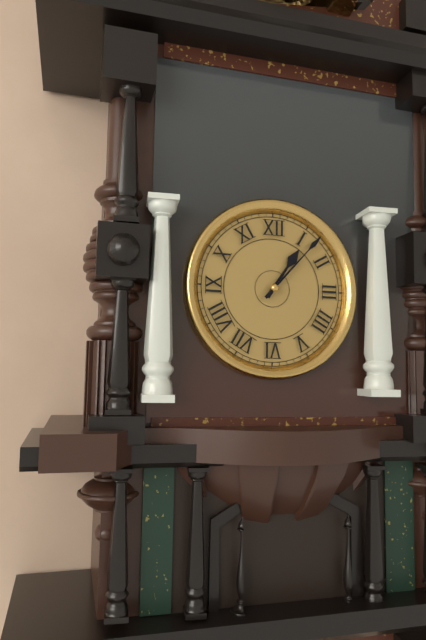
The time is 1 h 07 min
